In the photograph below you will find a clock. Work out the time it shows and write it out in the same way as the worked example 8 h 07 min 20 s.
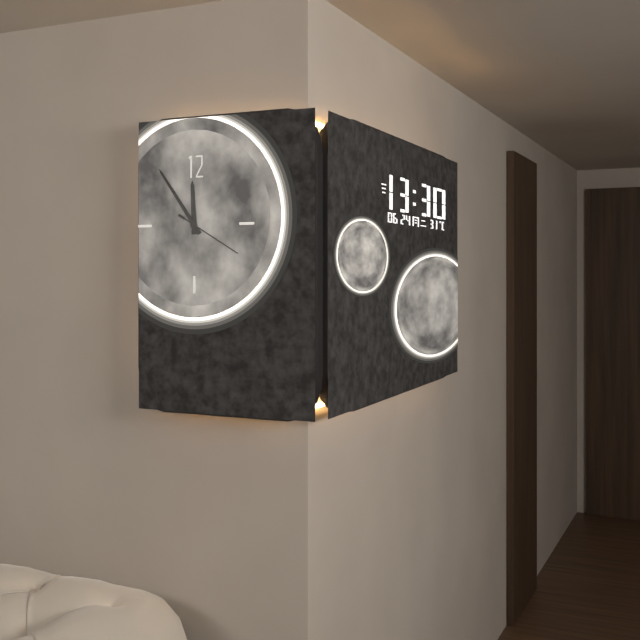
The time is 11 h 54 min 20 s
